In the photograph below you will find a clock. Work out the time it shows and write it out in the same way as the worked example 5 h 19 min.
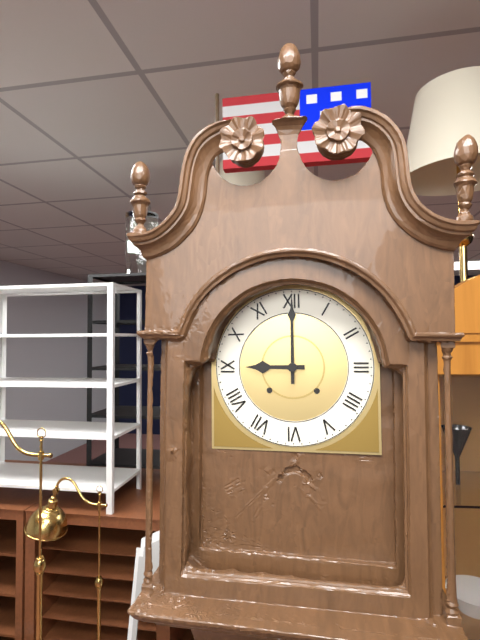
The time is 9 h 00 min
